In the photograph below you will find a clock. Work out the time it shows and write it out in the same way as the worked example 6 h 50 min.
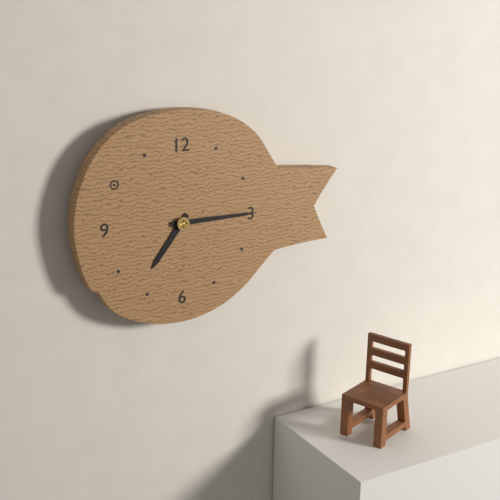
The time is 7 h 15 min
